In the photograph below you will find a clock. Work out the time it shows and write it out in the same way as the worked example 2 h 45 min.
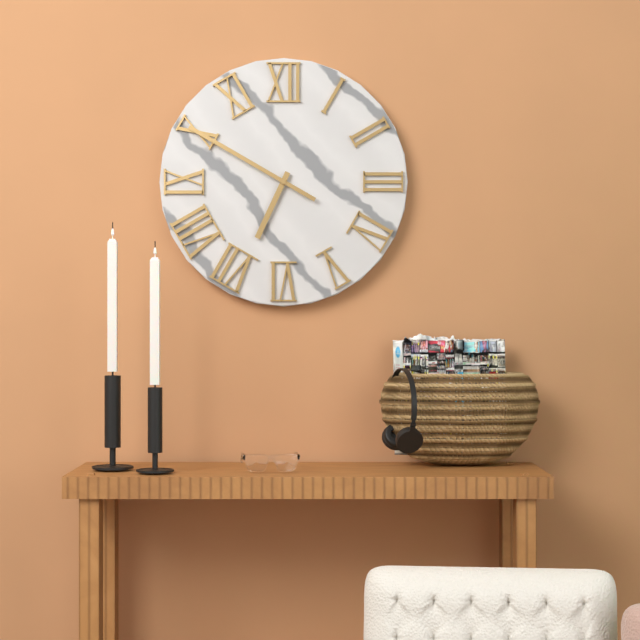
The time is 6 h 50 min
